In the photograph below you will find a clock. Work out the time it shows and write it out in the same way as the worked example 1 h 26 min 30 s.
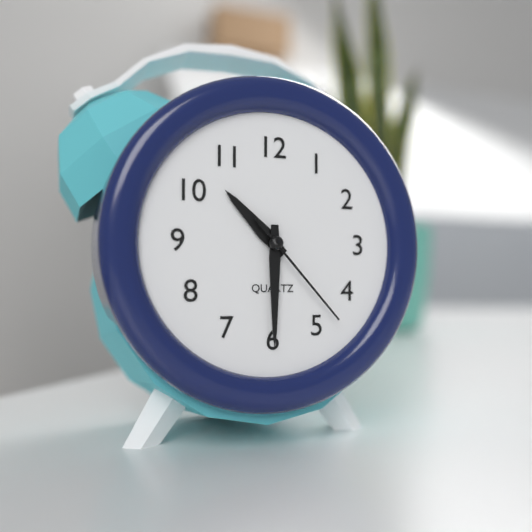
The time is 10 h 30 min 23 s
